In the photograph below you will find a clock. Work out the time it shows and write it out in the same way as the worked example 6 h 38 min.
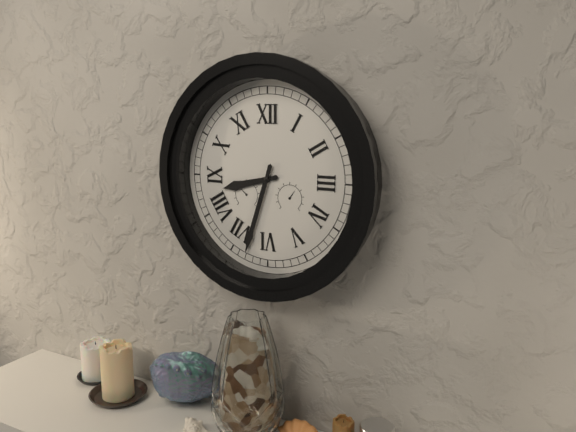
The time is 8 h 33 min
